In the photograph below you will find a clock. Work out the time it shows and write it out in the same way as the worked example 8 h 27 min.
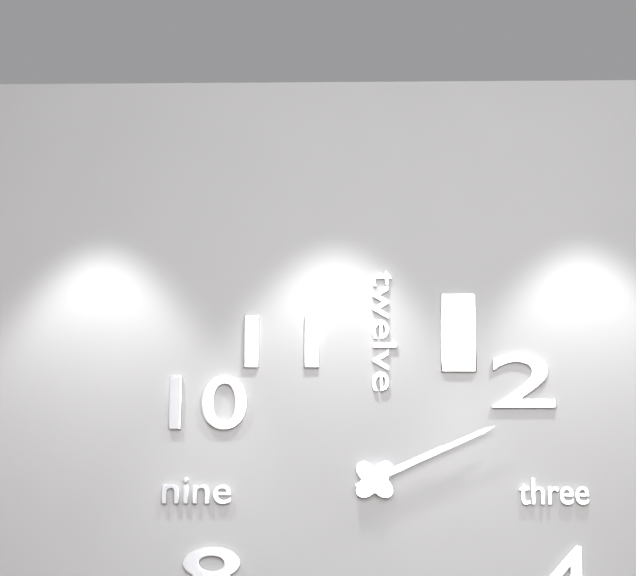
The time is 2 h 11 min
